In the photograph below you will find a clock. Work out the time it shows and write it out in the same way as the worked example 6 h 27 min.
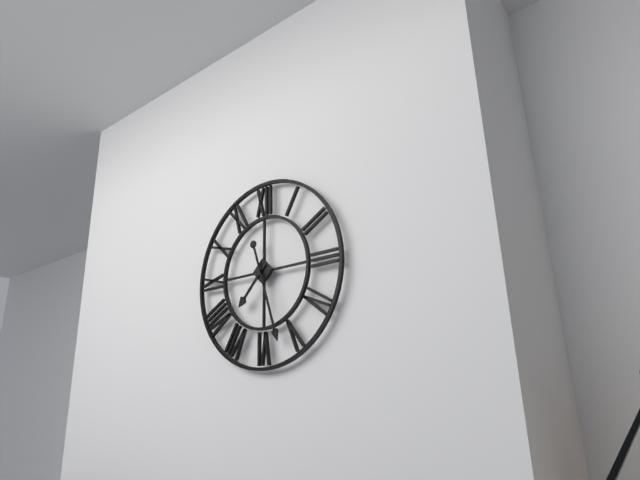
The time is 7 h 27 min
